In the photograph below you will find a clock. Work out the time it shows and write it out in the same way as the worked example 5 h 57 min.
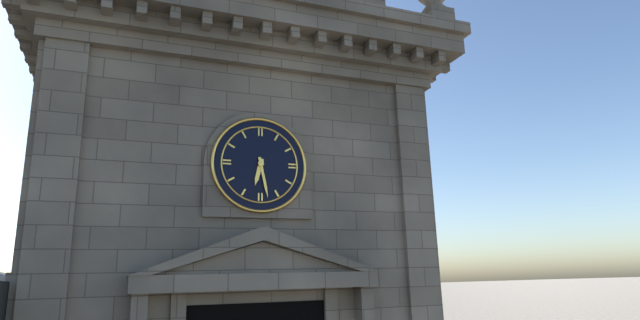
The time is 6 h 28 min
